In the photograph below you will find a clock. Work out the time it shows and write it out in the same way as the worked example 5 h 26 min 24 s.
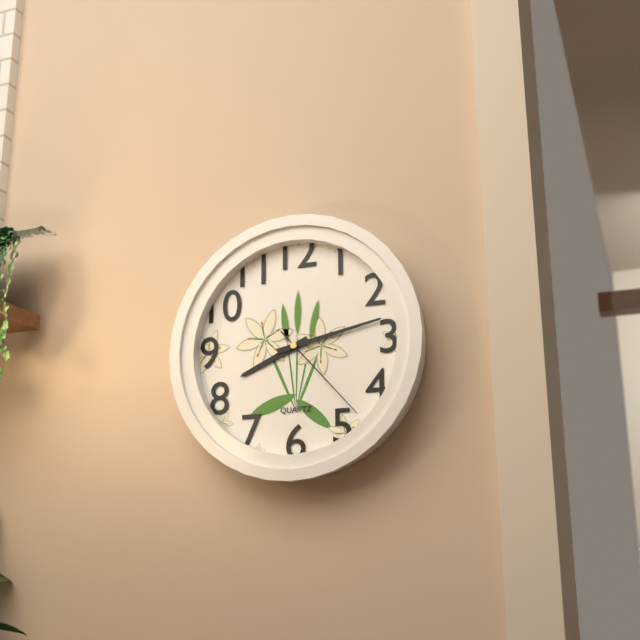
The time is 8 h 13 min 23 s
